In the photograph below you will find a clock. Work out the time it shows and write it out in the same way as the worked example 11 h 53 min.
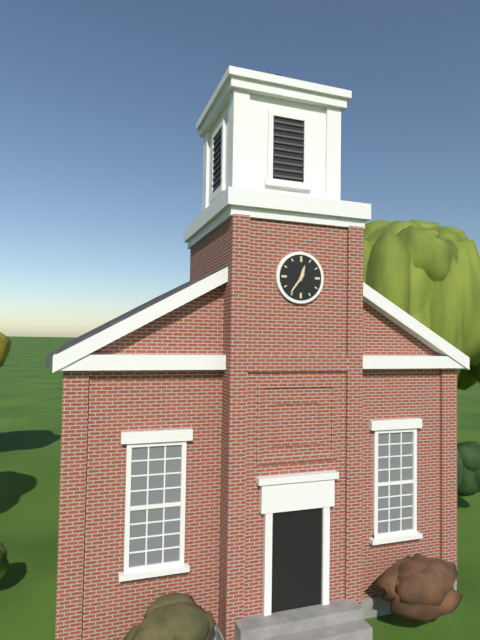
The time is 12 h 36 min
